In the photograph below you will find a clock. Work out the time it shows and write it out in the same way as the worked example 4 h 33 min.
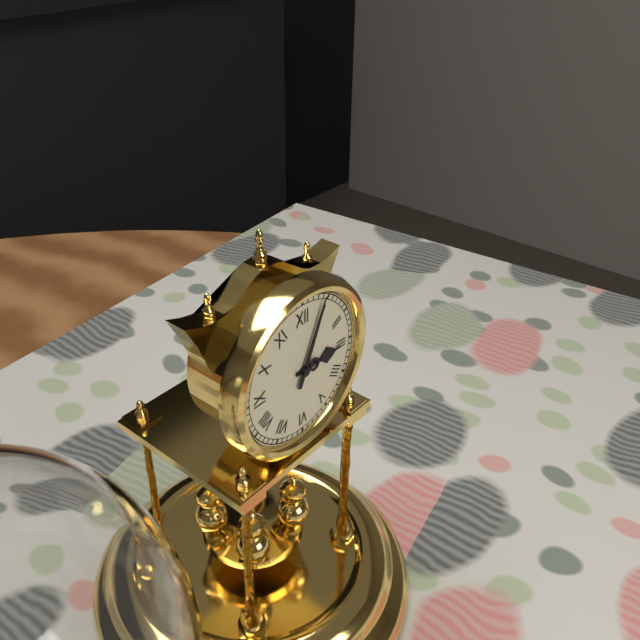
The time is 3 h 04 min
